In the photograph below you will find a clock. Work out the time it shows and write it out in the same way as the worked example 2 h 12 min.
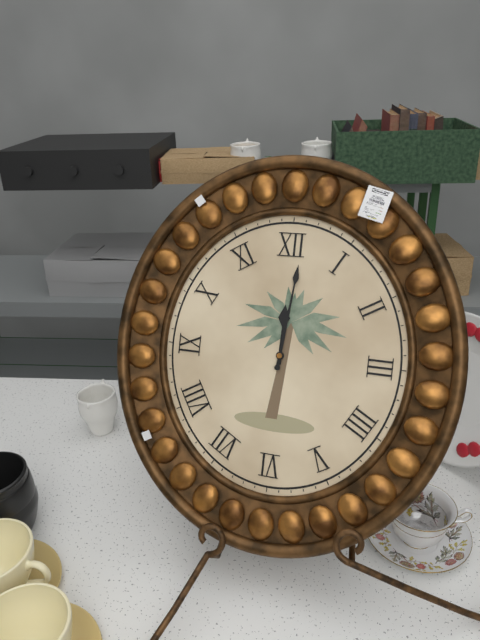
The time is 12 h 01 min
